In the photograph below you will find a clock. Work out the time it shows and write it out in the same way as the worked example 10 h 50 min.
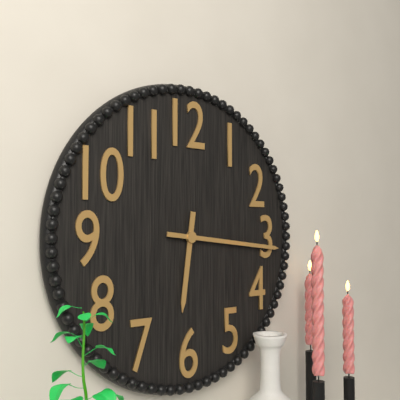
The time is 6 h 16 min
